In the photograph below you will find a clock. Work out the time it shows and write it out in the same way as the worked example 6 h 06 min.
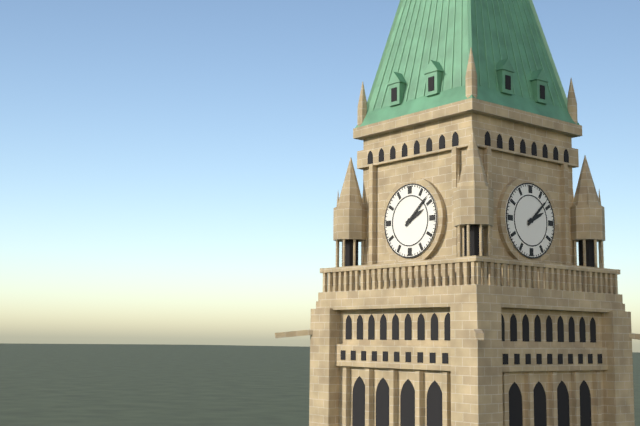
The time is 2 h 08 min
